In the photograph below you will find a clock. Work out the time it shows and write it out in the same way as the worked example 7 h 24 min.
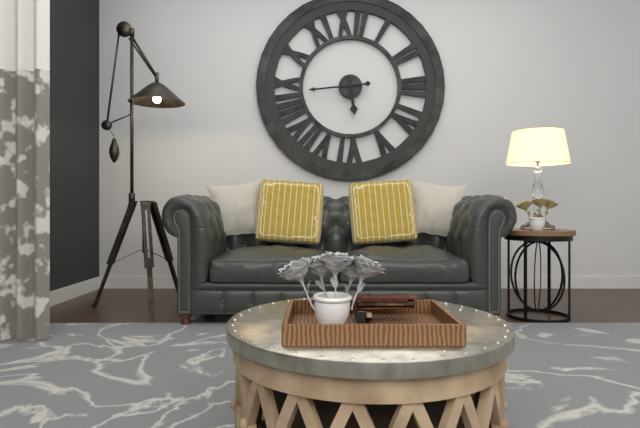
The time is 5 h 44 min
